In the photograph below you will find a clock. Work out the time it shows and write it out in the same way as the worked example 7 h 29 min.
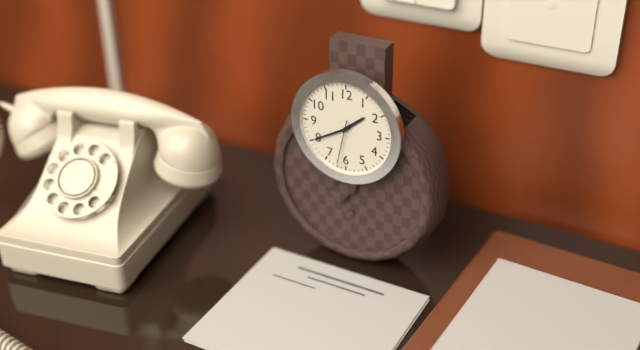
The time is 1 h 40 min
